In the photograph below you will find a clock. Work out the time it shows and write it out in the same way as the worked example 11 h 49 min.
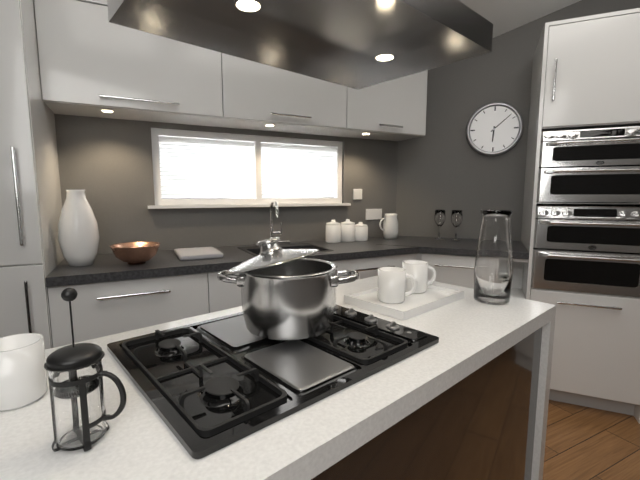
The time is 6 h 08 min
